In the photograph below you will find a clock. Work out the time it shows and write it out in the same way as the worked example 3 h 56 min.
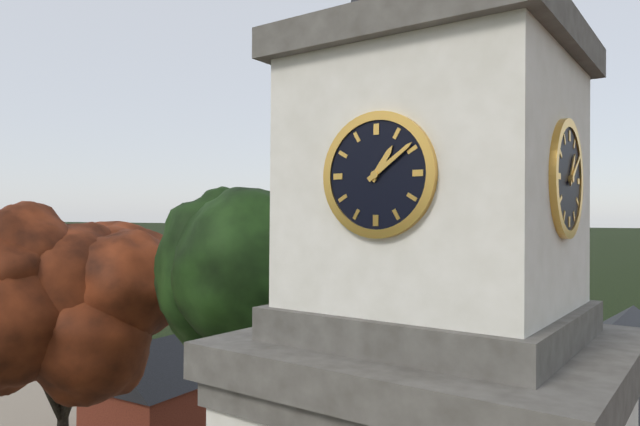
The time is 1 h 09 min
